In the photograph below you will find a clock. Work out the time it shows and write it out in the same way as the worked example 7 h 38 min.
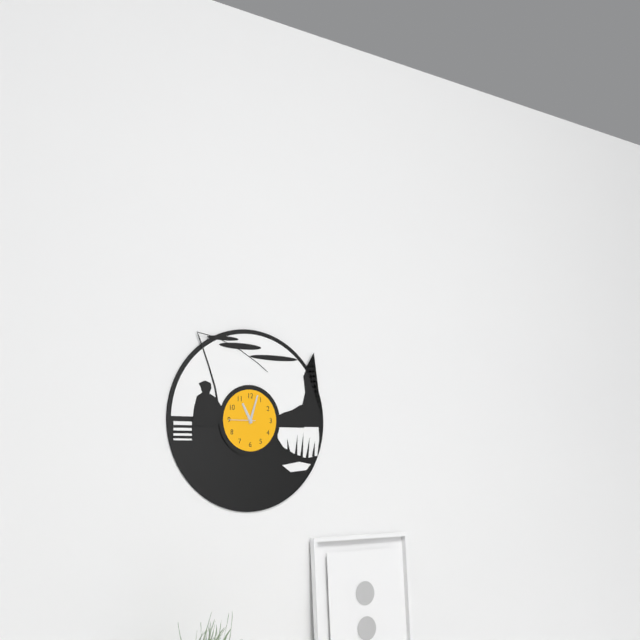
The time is 11 h 03 min
